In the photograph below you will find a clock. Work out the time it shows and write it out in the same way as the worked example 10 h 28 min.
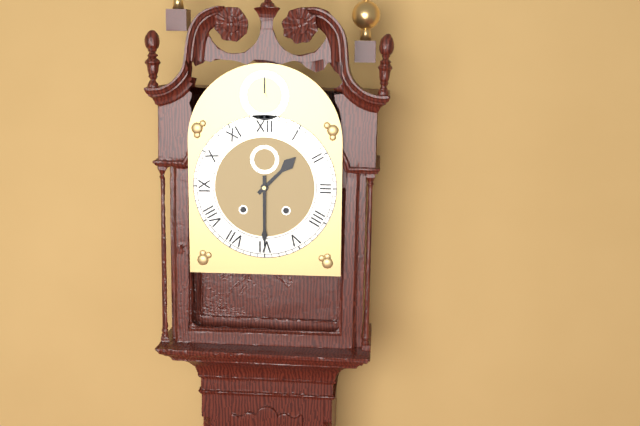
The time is 1 h 30 min
